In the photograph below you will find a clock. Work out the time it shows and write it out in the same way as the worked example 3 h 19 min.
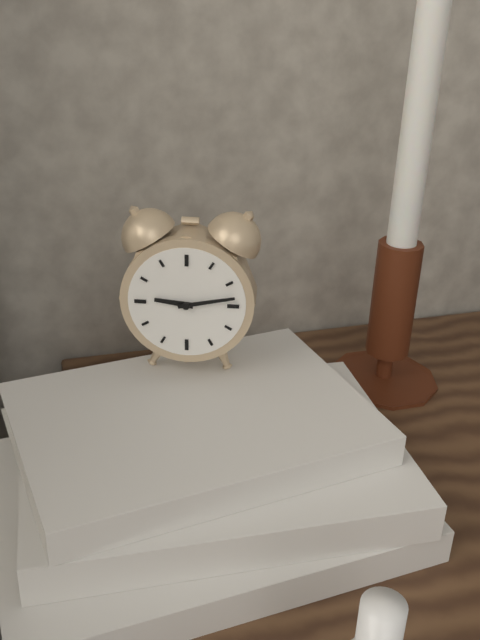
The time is 9 h 13 min
